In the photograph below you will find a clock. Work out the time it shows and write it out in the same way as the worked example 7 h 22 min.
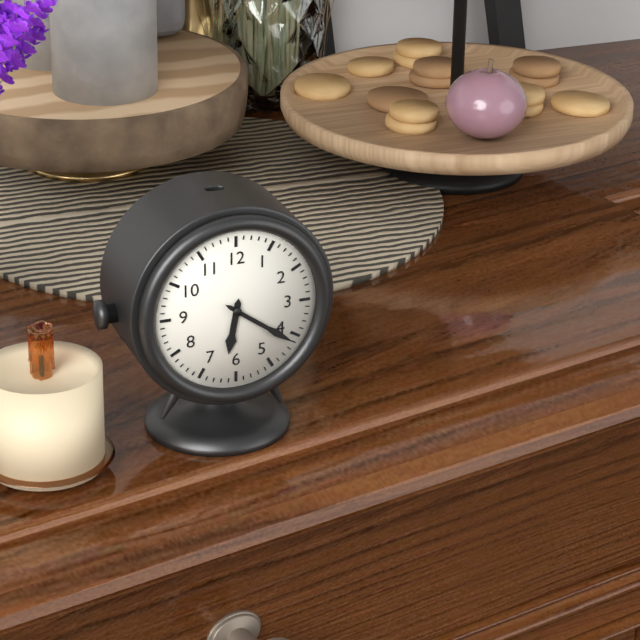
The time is 6 h 21 min
